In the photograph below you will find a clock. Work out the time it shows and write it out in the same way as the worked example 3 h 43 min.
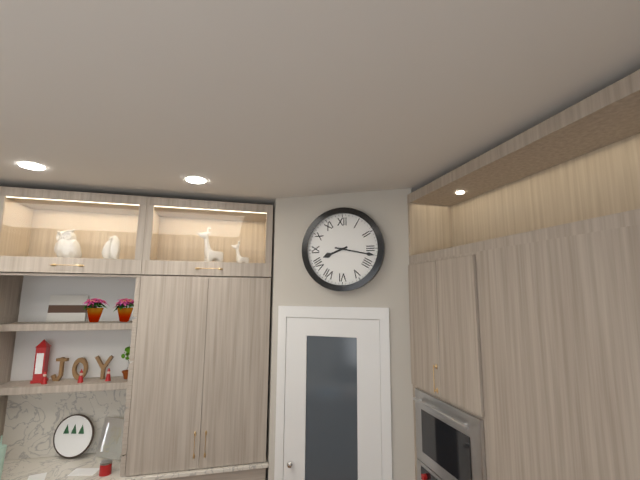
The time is 8 h 17 min
